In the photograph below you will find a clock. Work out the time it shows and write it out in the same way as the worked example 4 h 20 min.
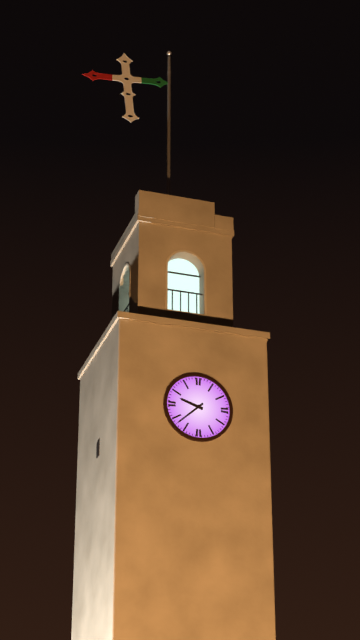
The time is 9 h 38 min
